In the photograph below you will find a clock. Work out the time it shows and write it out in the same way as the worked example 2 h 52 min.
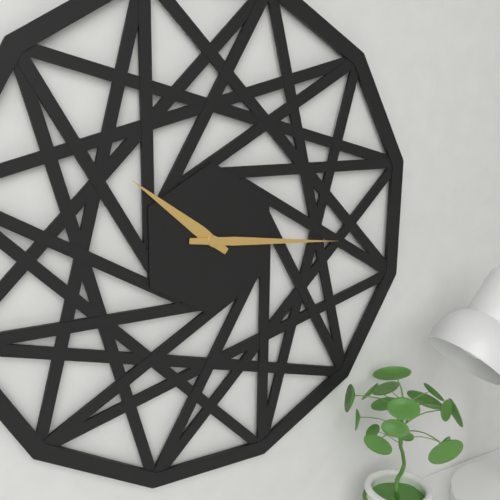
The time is 10 h 16 min
